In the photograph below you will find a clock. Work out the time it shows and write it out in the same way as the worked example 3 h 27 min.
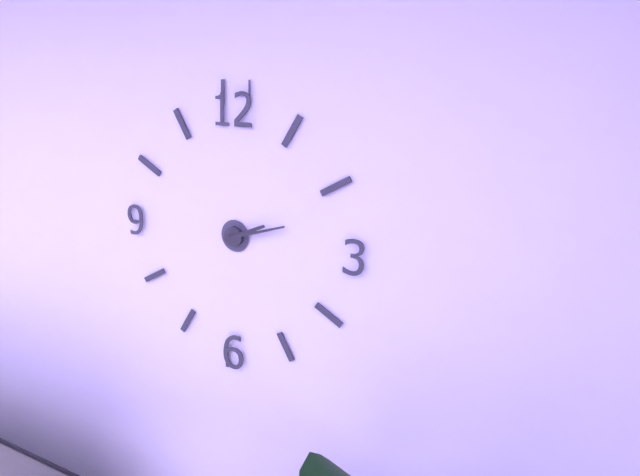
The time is 2 h 12 min
